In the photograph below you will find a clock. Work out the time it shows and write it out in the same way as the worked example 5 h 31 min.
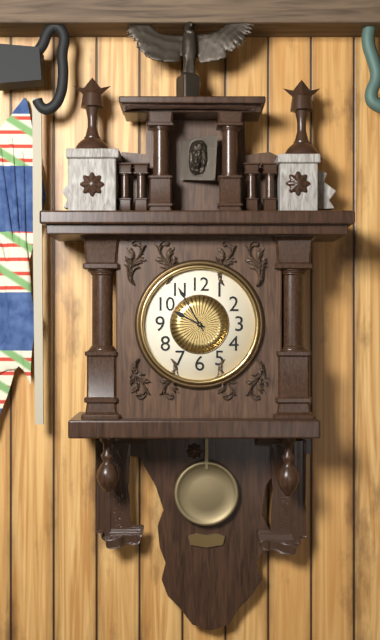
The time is 9 h 55 min
